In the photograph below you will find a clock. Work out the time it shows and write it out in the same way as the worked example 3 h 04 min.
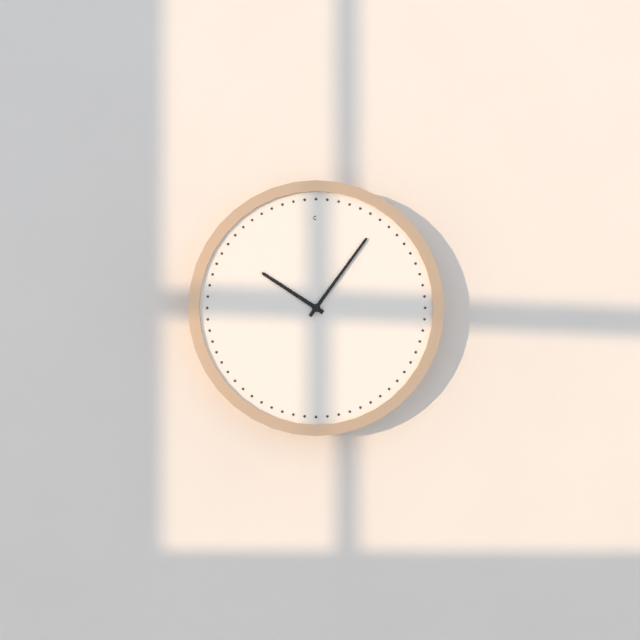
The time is 10 h 06 min
